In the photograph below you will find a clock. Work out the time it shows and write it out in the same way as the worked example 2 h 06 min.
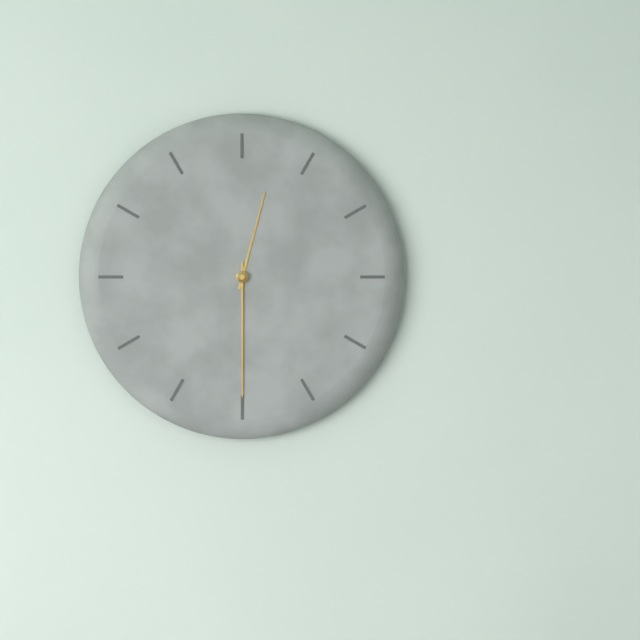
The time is 12 h 30 min
